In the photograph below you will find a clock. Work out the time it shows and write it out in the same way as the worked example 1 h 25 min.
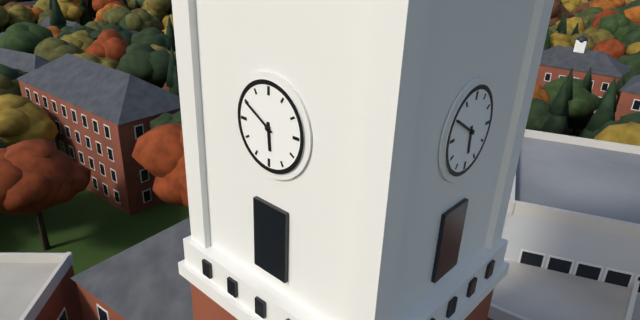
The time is 5 h 50 min
